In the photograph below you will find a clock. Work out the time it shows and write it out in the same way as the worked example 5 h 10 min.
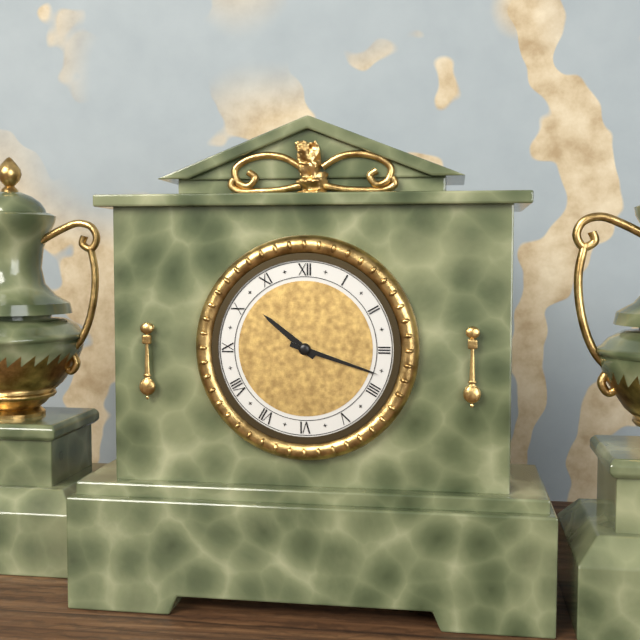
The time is 10 h 18 min
